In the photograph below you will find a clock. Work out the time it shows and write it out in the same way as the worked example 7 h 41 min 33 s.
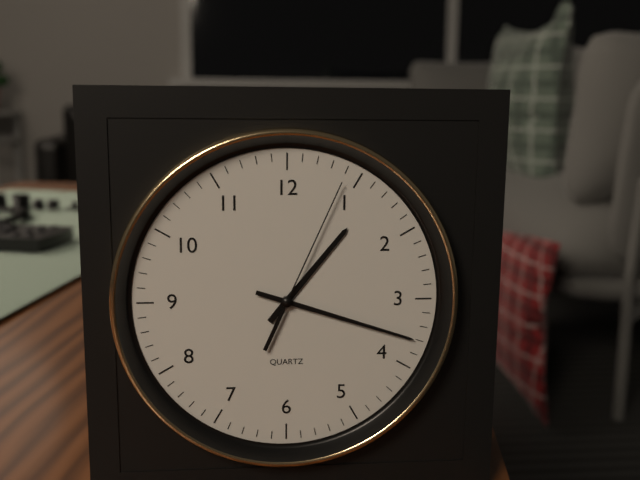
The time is 1 h 18 min 04 s
